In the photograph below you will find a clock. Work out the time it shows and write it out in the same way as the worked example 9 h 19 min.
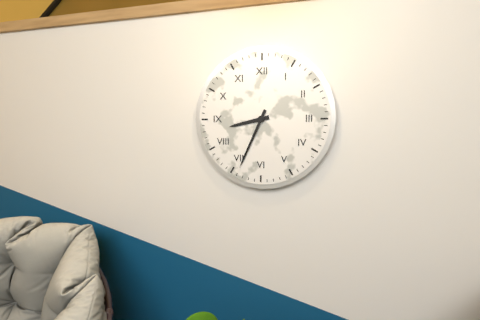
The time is 8 h 34 min
